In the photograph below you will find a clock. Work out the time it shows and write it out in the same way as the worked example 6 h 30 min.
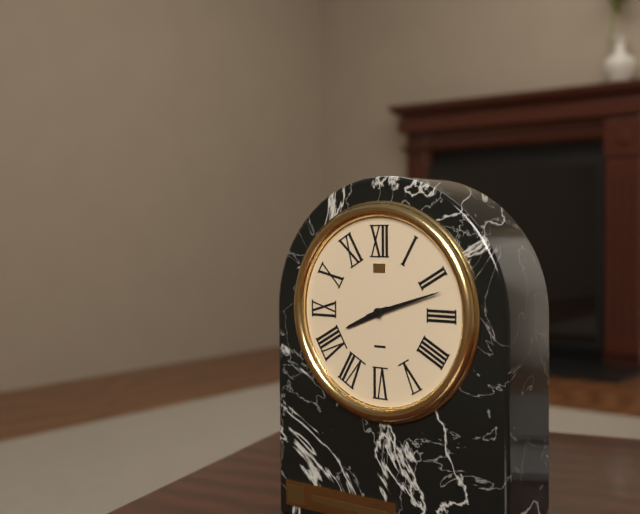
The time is 8 h 12 min
